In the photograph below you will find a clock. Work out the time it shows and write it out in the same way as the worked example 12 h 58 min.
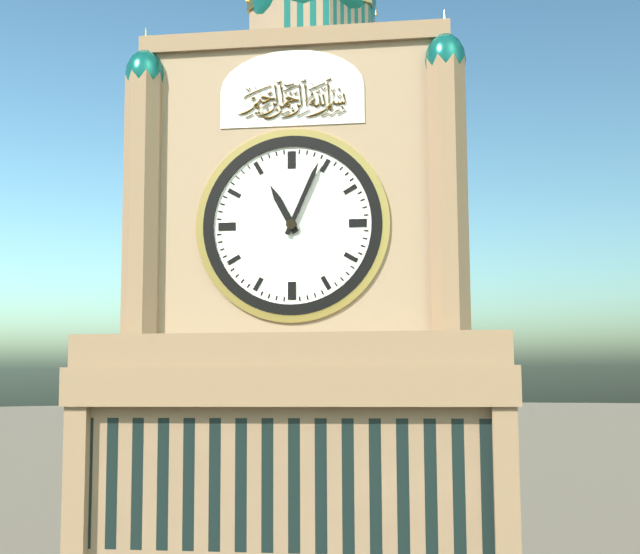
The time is 11 h 04 min
